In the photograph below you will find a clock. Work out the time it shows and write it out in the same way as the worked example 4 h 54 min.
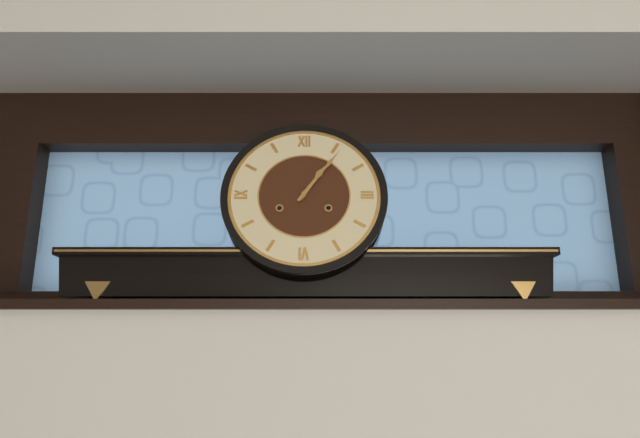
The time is 1 h 06 min
